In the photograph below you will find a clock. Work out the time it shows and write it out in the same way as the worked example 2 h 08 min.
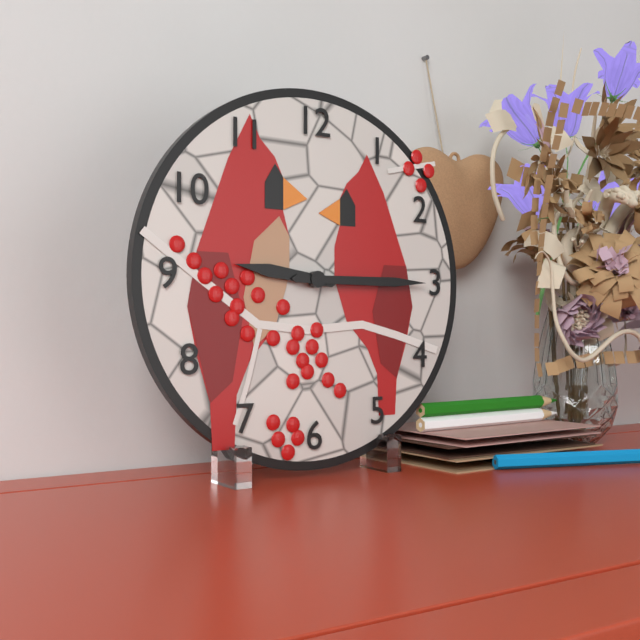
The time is 9 h 15 min
